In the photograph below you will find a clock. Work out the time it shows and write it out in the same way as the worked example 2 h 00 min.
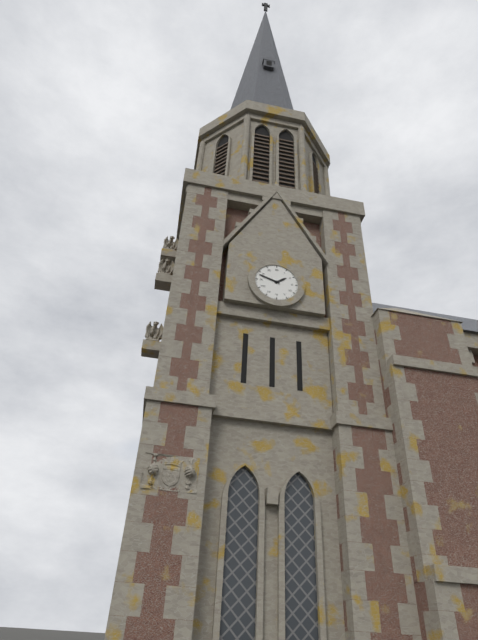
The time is 1 h 48 min
